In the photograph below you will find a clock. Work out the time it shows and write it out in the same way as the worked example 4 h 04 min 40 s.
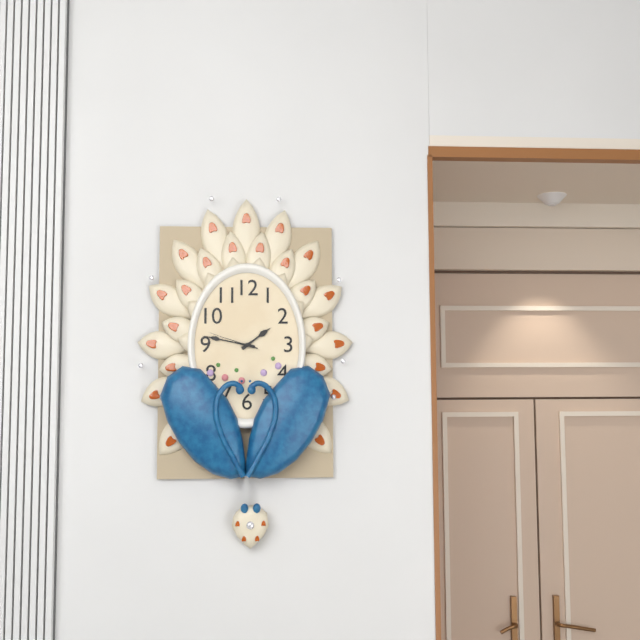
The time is 1 h 47 min 48 s
